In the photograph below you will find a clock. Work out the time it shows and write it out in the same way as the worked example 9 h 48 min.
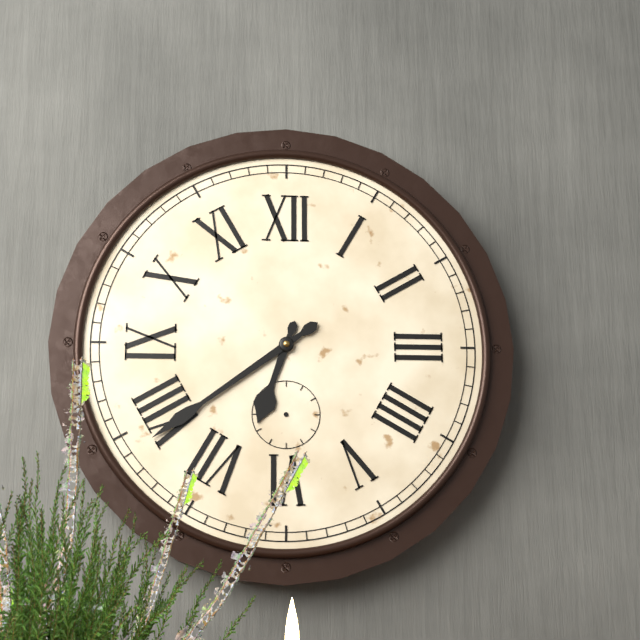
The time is 6 h 39 min
